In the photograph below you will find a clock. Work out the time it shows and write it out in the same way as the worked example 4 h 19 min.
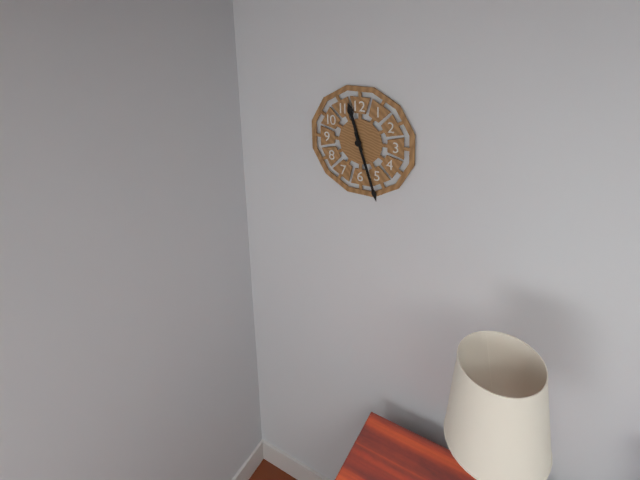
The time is 11 h 27 min
